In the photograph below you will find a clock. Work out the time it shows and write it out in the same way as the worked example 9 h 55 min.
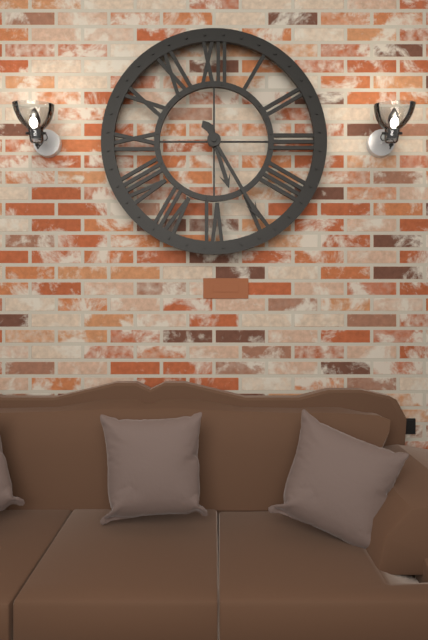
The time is 5 h 25 min
